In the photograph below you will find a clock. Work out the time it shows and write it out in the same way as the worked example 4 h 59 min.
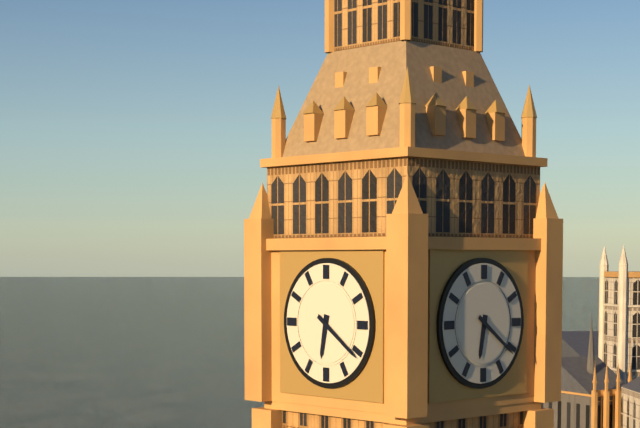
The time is 6 h 21 min
